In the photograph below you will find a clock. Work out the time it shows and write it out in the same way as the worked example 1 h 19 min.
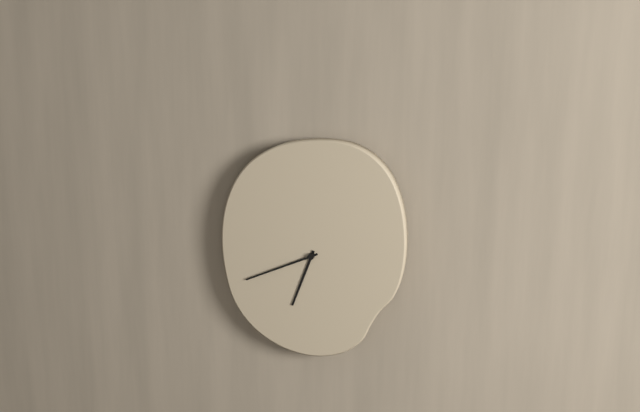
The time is 6 h 41 min
